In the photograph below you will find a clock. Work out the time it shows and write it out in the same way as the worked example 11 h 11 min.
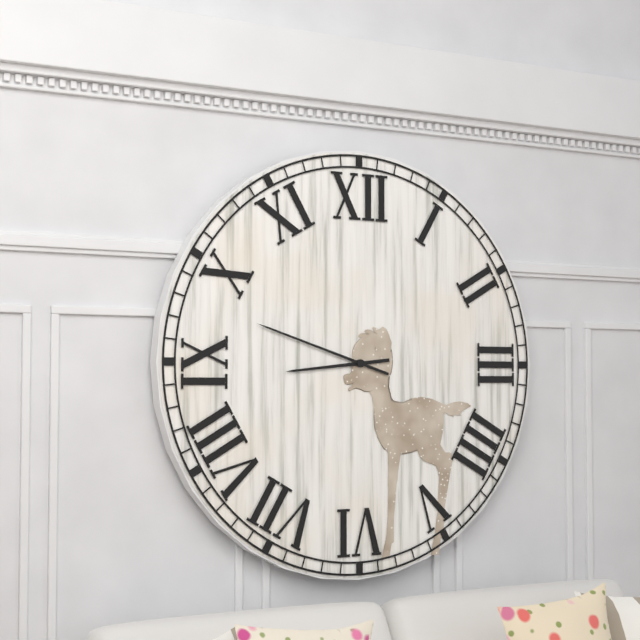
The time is 8 h 48 min
